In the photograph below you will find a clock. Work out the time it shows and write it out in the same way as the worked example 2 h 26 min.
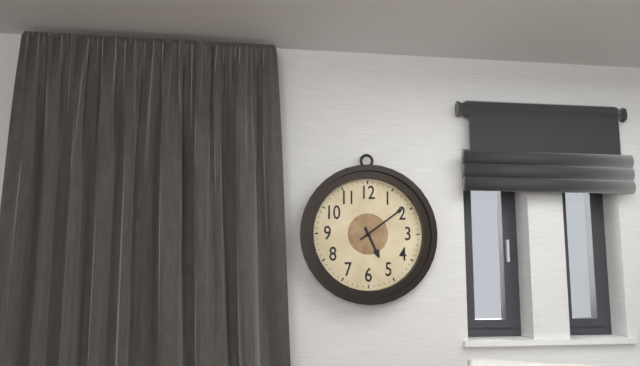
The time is 5 h 09 min
